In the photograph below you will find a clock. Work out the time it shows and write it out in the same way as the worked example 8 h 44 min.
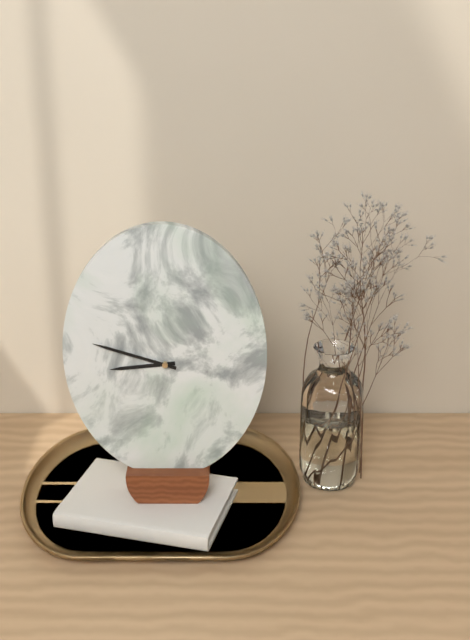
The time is 8 h 48 min
